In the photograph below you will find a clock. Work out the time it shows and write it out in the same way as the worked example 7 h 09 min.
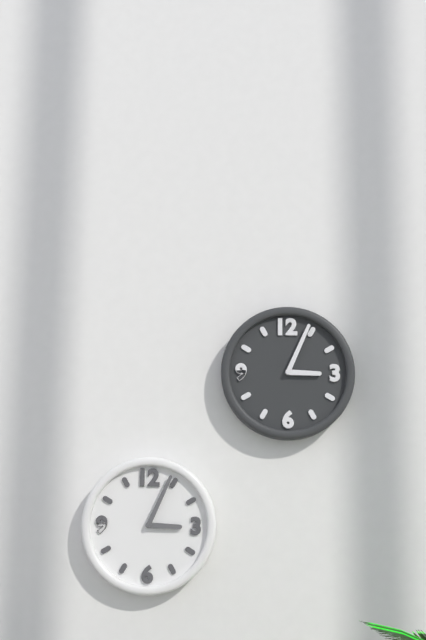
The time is 3 h 04 min
